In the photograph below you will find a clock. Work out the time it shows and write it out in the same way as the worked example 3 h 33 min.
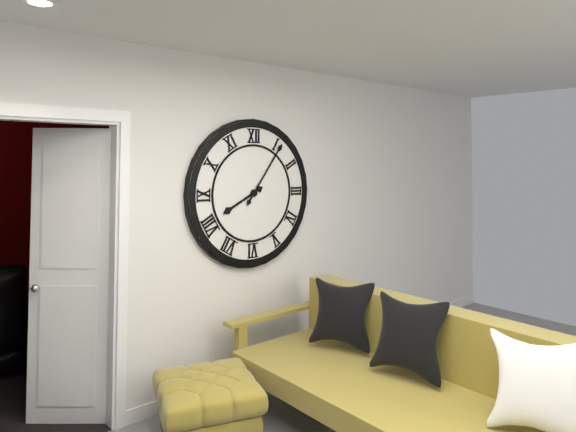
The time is 8 h 06 min
